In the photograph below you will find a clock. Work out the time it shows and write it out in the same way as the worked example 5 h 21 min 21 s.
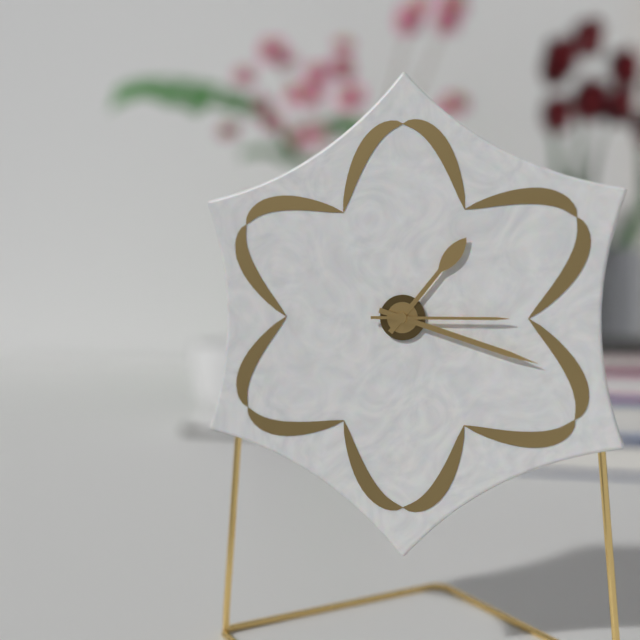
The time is 1 h 18 min 15 s
